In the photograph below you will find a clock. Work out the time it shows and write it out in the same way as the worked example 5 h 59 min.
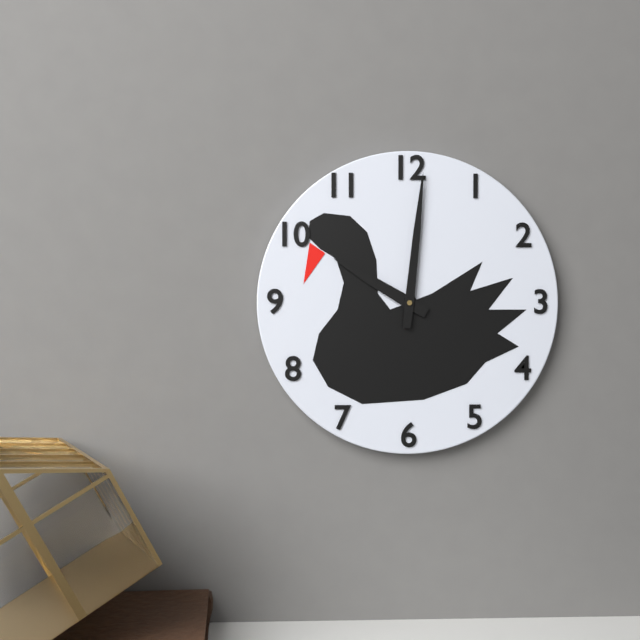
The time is 10 h 01 min
